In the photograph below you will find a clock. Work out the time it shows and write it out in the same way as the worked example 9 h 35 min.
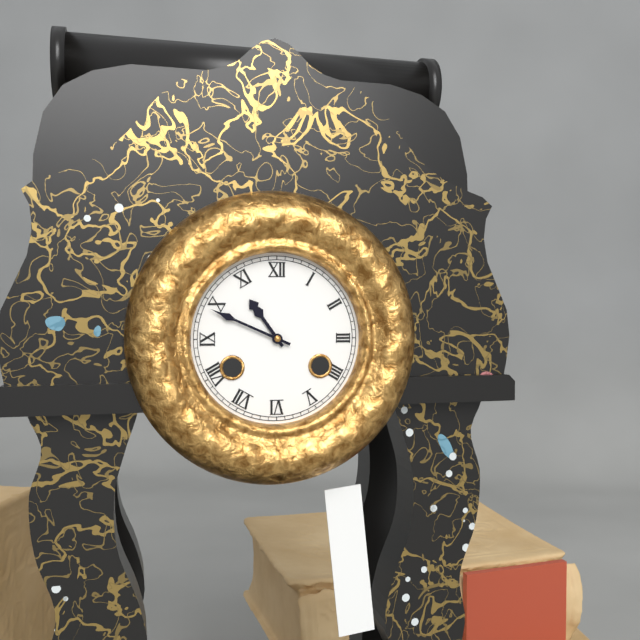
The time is 10 h 49 min
